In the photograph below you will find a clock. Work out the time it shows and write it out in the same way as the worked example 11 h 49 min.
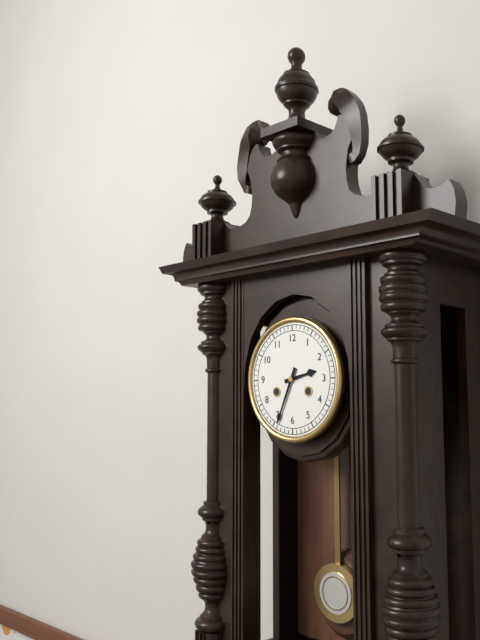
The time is 2 h 34 min
